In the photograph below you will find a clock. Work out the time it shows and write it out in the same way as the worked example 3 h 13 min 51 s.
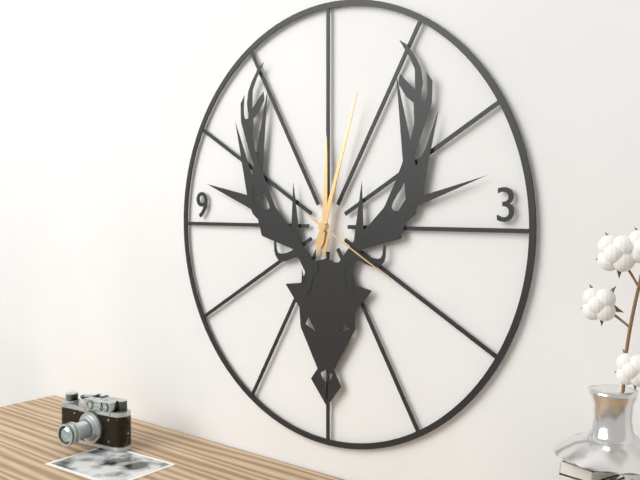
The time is 12 h 03 min 20 s
